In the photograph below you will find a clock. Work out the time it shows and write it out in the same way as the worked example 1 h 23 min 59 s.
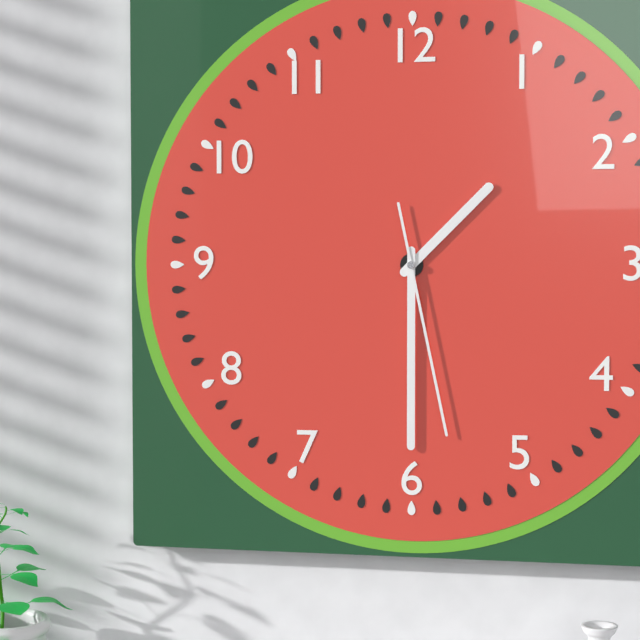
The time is 1 h 30 min 28 s
